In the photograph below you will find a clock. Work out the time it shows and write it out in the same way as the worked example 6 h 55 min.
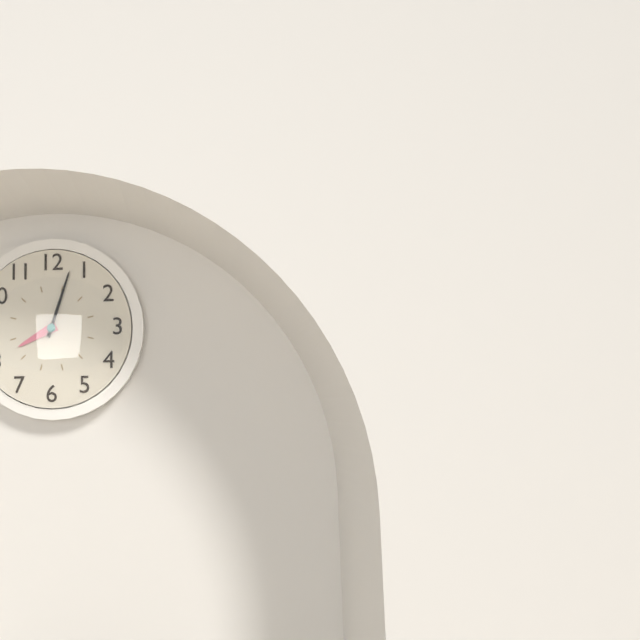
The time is 8 h 03 min
